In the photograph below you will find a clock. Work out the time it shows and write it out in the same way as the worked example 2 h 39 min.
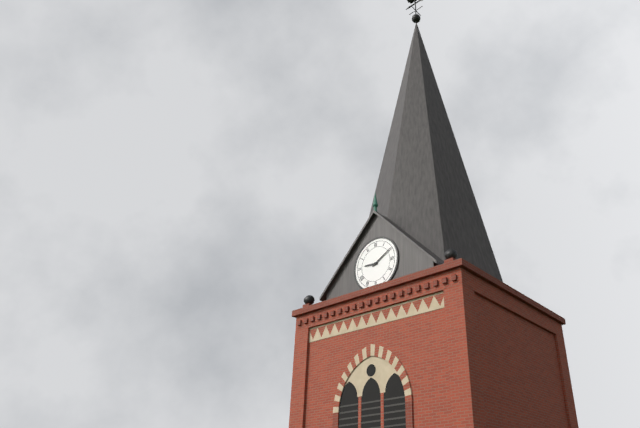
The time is 9 h 10 min
